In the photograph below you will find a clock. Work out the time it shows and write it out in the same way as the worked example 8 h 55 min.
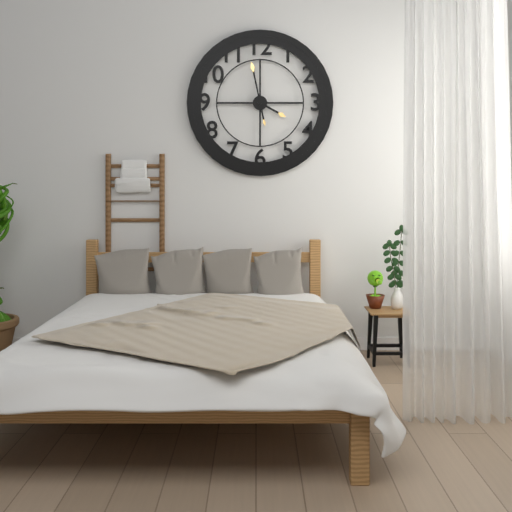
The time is 3 h 58 min
